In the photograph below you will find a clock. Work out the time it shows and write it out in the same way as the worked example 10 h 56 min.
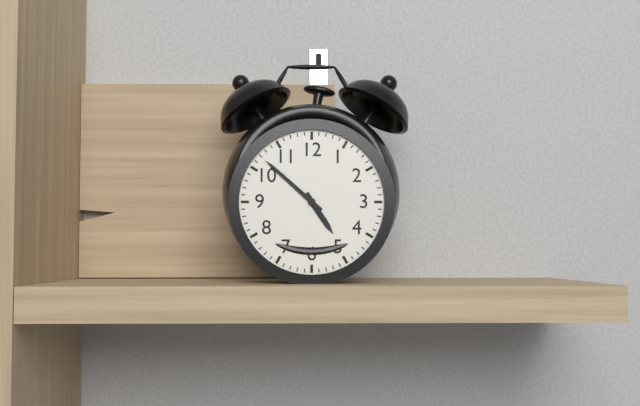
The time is 4 h 52 min
